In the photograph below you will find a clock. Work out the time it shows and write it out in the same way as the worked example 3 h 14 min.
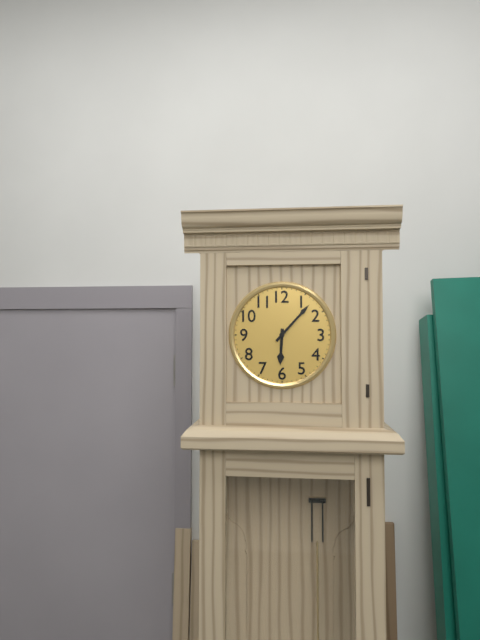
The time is 6 h 07 min
